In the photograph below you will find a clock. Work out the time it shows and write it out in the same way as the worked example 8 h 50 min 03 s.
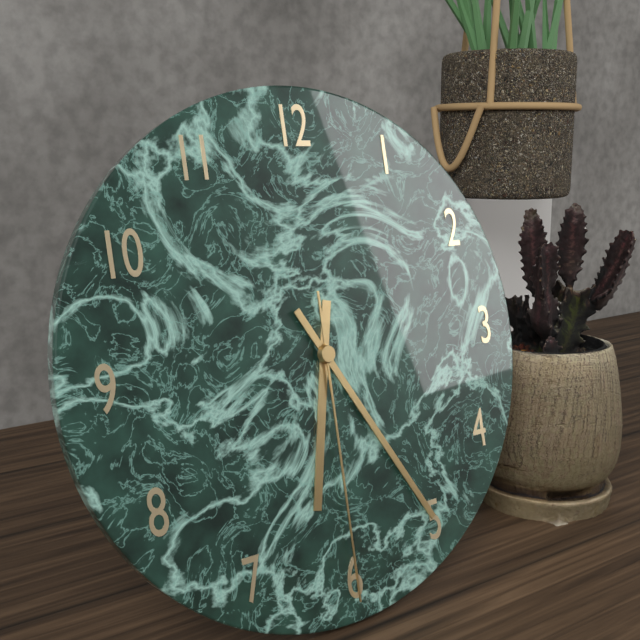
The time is 6 h 25 min 30 s
